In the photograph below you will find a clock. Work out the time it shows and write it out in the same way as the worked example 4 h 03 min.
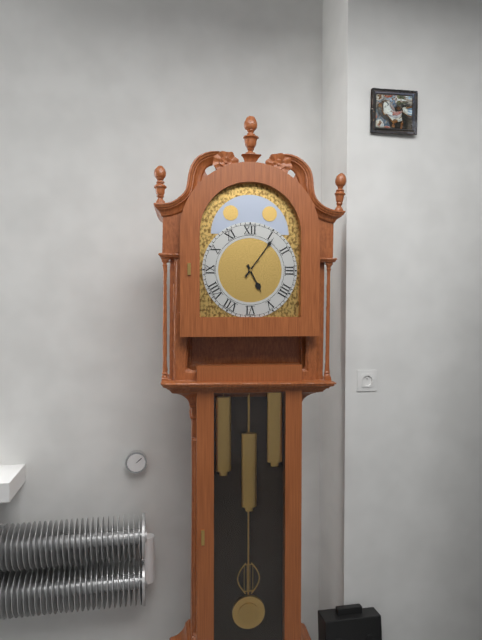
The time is 5 h 06 min
